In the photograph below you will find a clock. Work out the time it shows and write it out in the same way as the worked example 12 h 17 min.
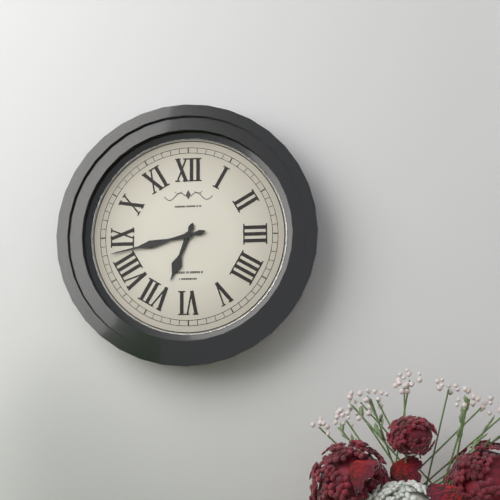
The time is 6 h 43 min
